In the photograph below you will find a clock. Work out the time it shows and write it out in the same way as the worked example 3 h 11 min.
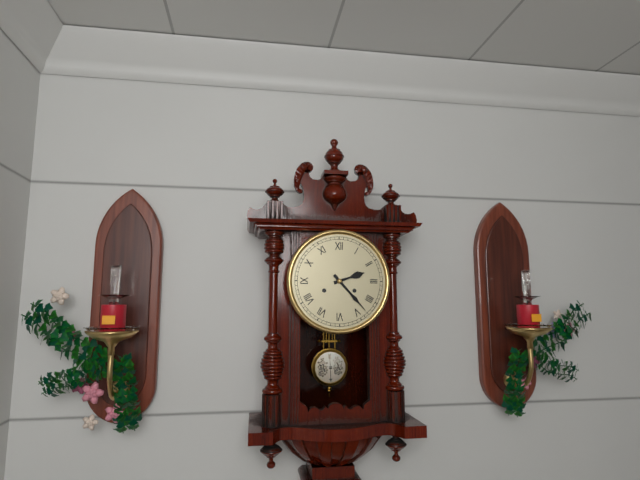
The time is 2 h 23 min
